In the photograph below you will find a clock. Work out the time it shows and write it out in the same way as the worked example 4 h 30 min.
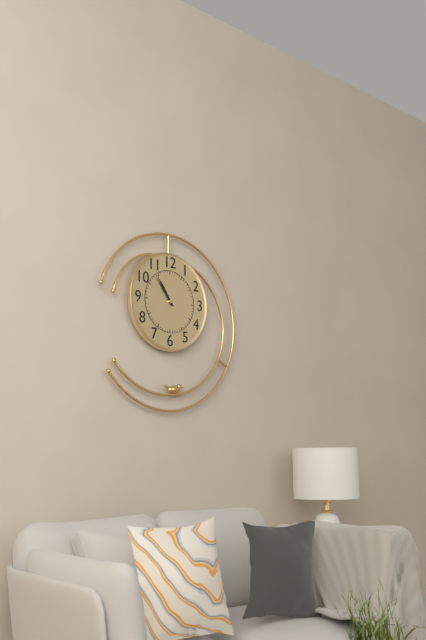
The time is 10 h 54 min
